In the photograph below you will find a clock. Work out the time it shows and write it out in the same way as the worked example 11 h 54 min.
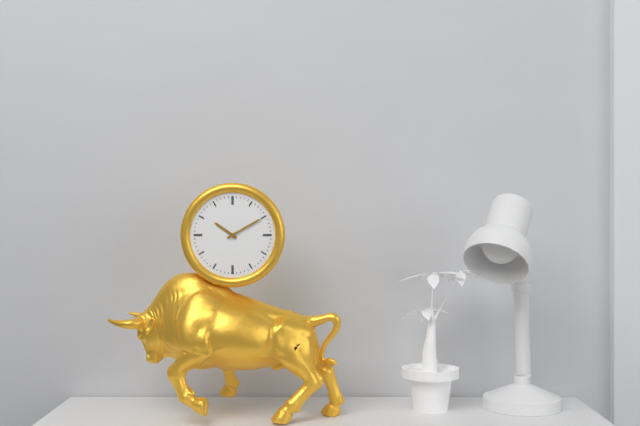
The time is 10 h 10 min
